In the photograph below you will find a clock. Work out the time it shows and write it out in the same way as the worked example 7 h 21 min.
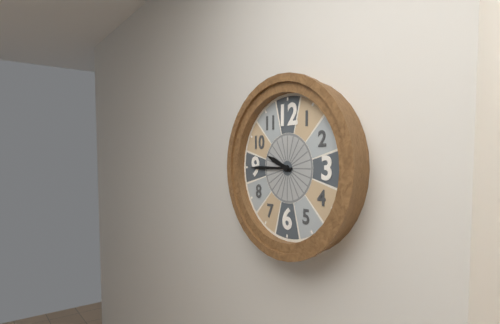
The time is 9 h 45 min
